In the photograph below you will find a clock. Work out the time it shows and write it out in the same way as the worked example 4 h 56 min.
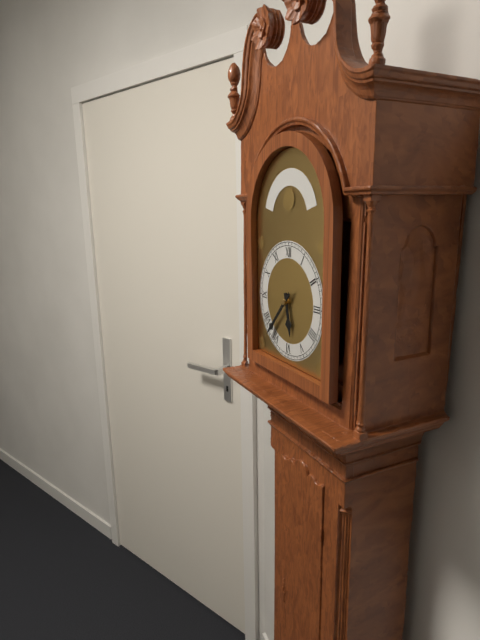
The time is 5 h 37 min
